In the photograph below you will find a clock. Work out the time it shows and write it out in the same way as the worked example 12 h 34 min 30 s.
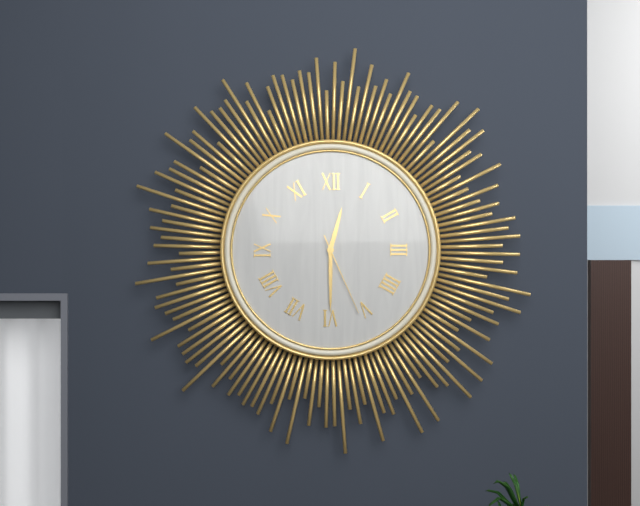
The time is 12 h 30 min 26 s
